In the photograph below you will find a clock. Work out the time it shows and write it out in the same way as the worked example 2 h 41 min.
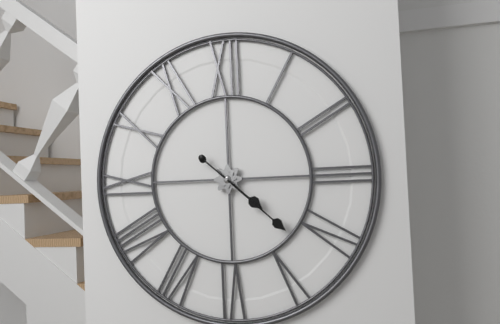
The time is 4 h 22 min
